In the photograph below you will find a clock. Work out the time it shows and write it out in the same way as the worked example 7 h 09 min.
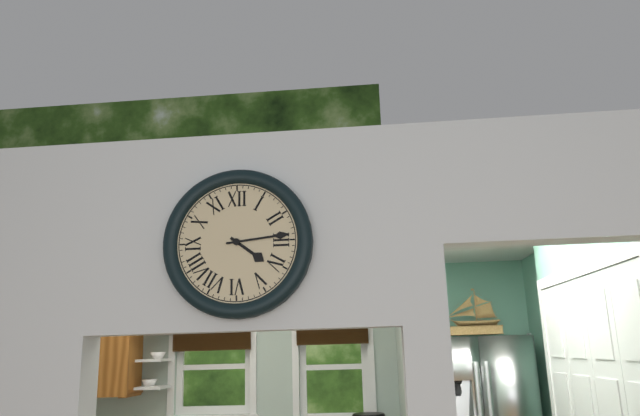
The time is 4 h 14 min
